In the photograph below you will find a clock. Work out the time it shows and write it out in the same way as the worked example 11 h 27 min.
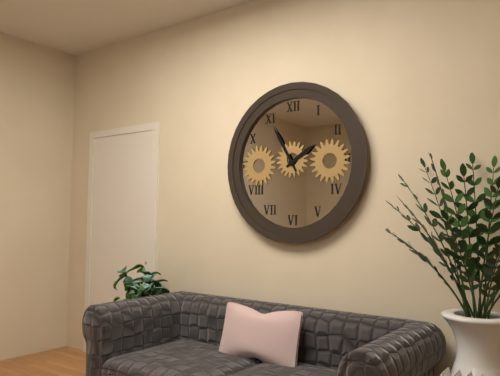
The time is 1 h 55 min
